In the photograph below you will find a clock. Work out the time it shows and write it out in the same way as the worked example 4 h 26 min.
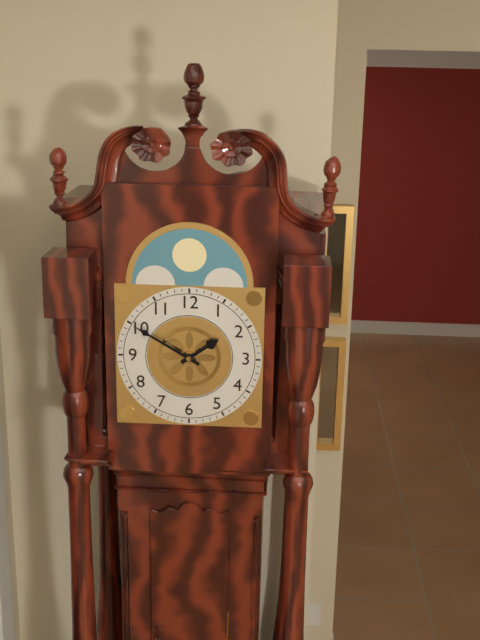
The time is 1 h 50 min
